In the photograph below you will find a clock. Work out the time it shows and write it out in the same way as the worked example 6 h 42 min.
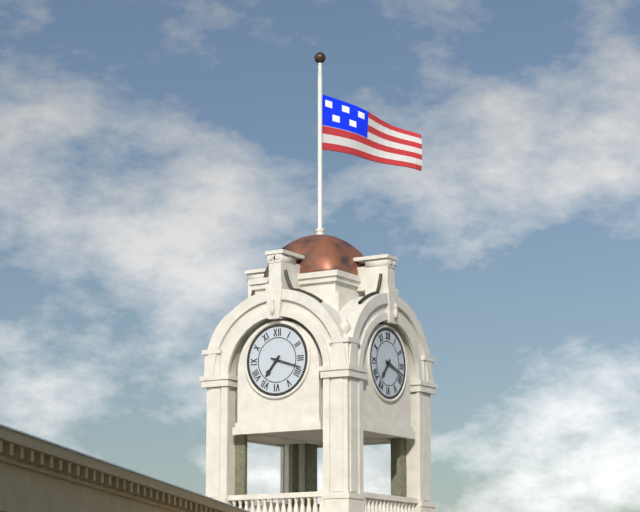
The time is 7 h 18 min
